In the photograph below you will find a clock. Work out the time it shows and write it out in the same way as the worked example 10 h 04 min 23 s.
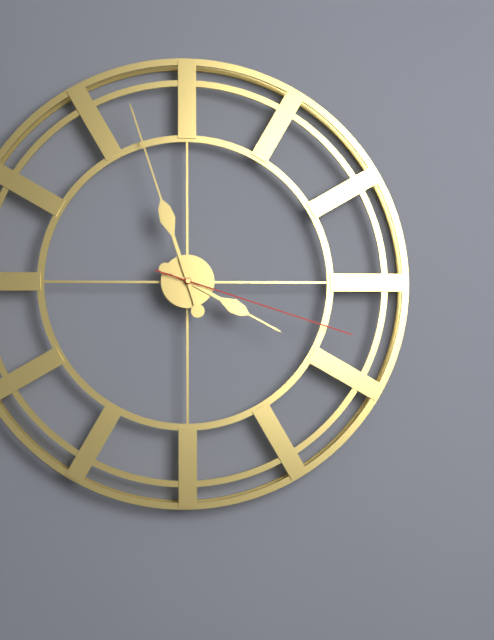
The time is 3 h 57 min 18 s
